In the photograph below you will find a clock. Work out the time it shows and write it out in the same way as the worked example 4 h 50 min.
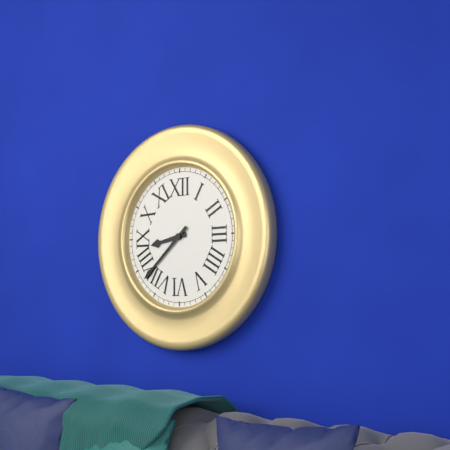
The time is 8 h 38 min
